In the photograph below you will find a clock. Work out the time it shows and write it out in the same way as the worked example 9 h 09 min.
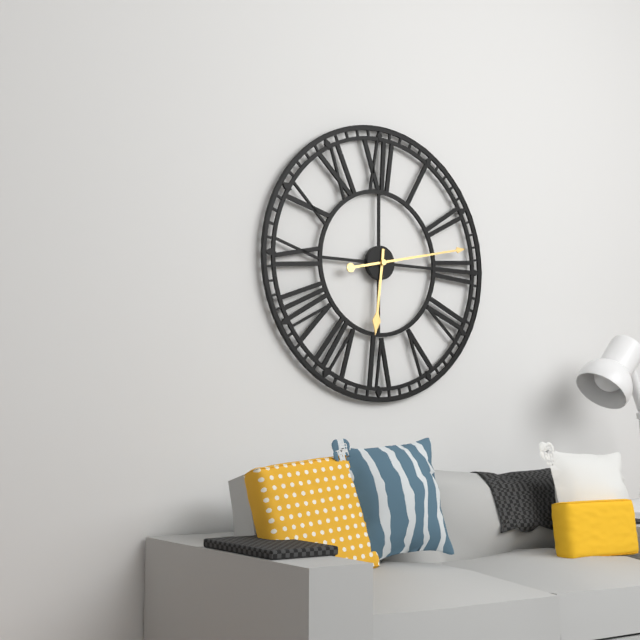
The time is 6 h 13 min
